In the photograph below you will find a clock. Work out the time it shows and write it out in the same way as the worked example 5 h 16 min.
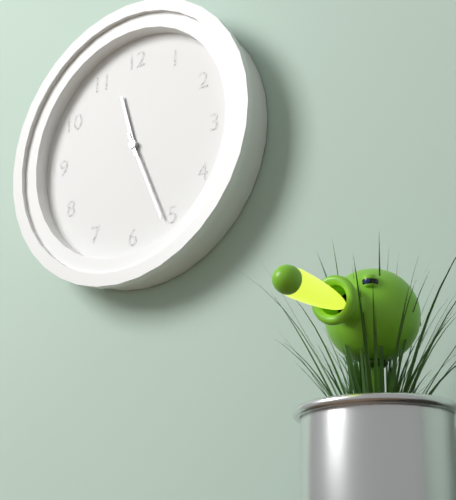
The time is 11 h 26 min
